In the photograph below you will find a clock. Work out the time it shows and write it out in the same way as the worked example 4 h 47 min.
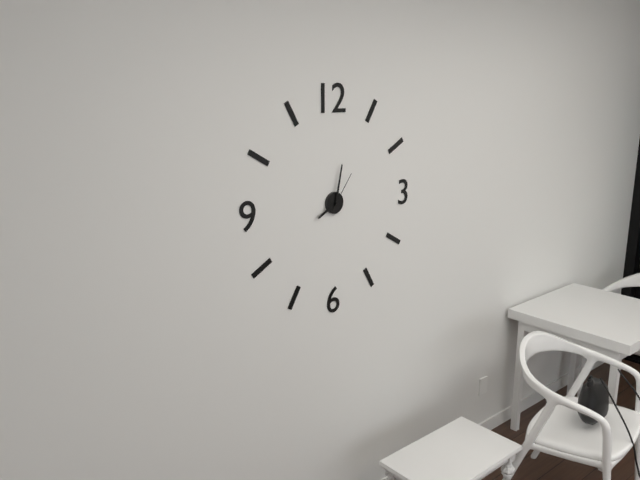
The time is 8 h 02 min
